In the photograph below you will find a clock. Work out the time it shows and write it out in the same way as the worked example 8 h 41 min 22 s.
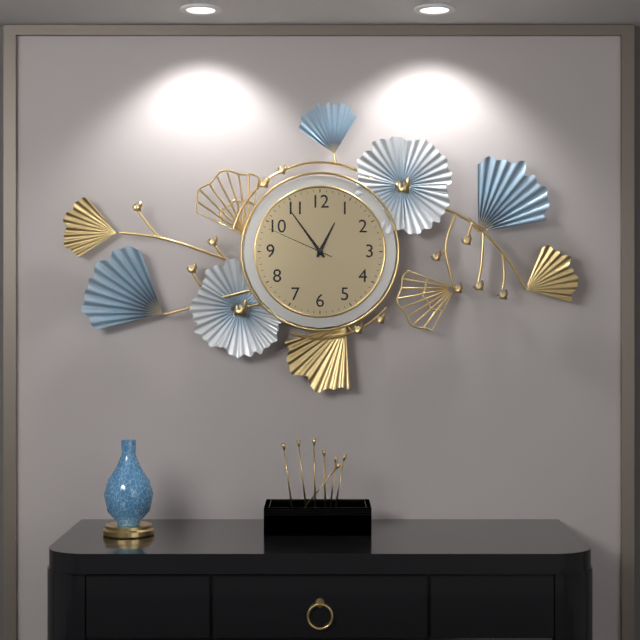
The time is 12 h 54 min 49 s
